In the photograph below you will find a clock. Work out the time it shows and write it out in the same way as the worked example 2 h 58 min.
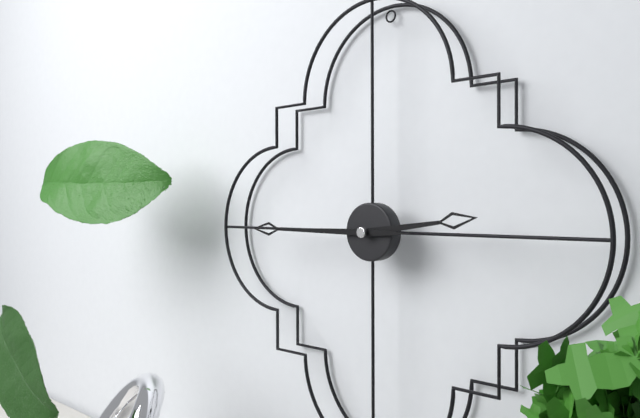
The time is 2 h 45 min
